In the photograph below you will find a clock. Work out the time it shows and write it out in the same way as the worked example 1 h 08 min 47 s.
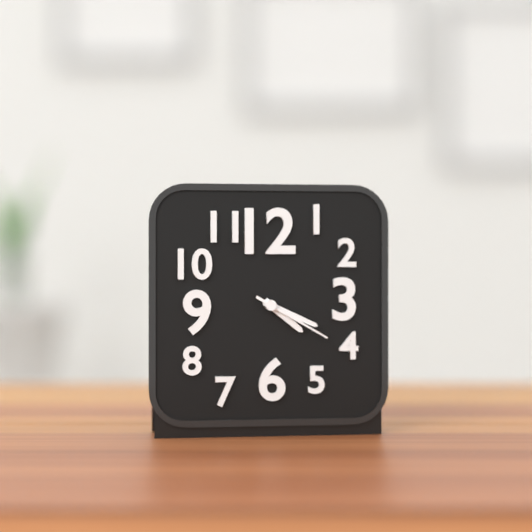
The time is 4 h 19 min 20 s
